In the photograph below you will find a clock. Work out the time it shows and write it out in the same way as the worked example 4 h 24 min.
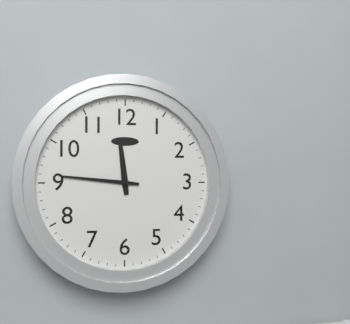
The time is 11 h 46 min
